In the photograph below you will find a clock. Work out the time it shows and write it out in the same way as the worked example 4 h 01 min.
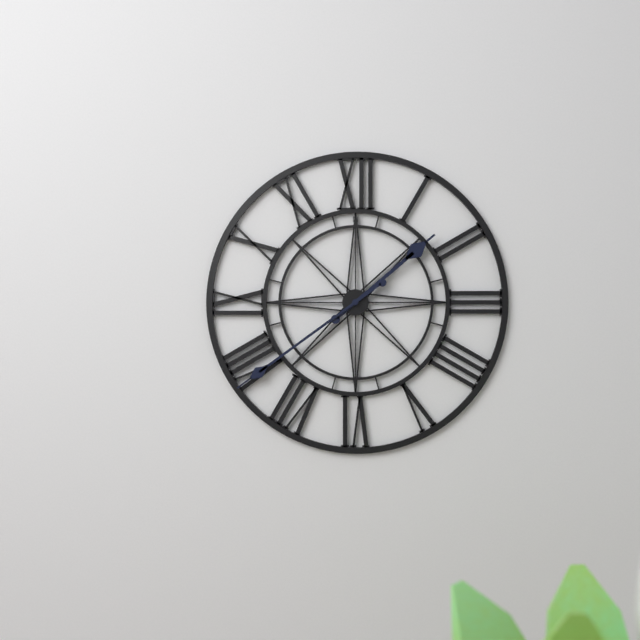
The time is 1 h 39 min
